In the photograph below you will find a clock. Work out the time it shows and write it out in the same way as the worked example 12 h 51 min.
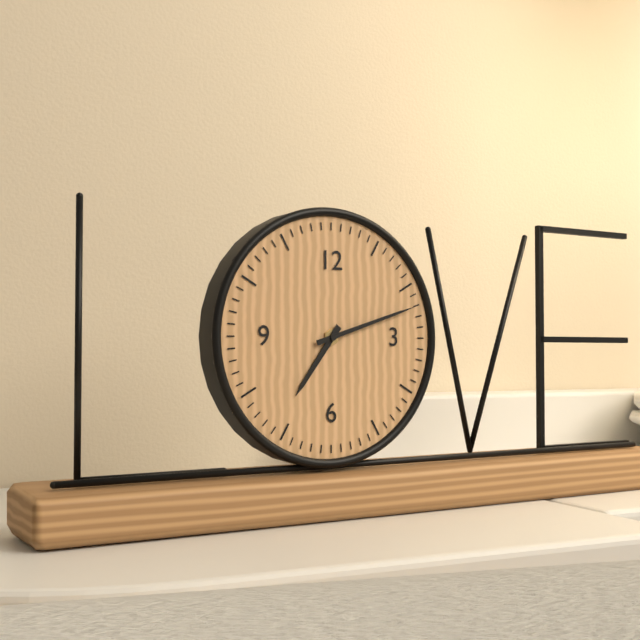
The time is 7 h 12 min
